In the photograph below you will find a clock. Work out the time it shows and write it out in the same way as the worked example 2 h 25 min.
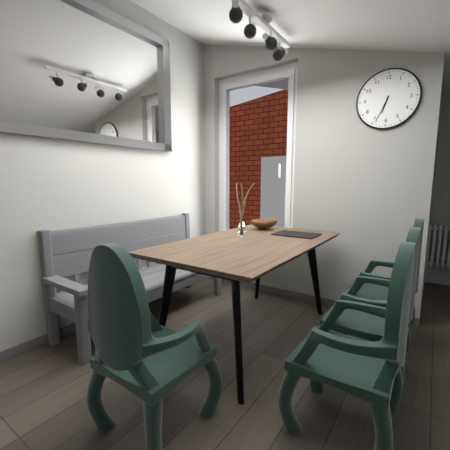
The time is 6 h 34 min
